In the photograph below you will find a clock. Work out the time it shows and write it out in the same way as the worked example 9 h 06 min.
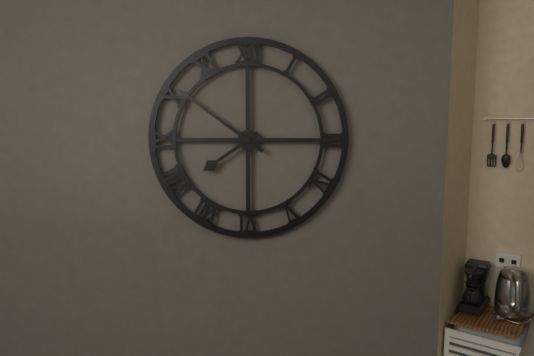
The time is 7 h 51 min
